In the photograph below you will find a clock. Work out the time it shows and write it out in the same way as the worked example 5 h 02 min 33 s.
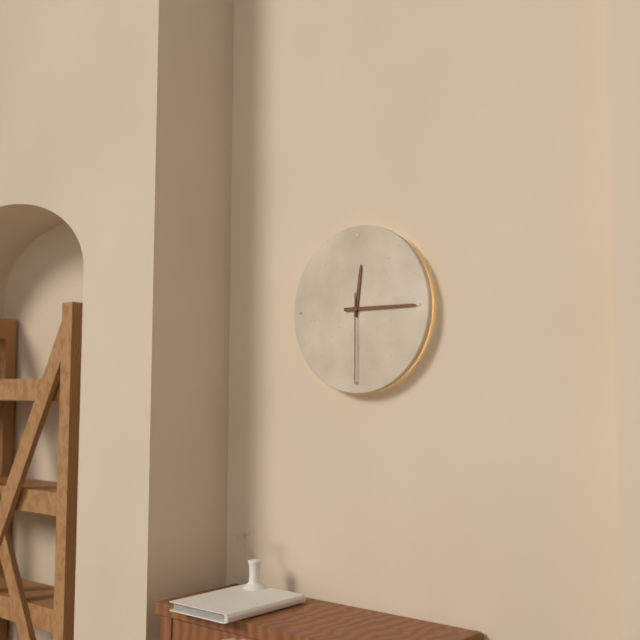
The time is 12 h 15 min 30 s
